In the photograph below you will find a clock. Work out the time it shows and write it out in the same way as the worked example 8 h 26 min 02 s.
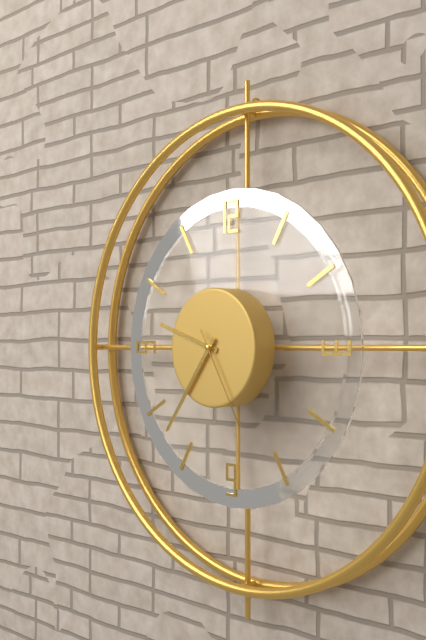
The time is 9 h 36 min 25 s
